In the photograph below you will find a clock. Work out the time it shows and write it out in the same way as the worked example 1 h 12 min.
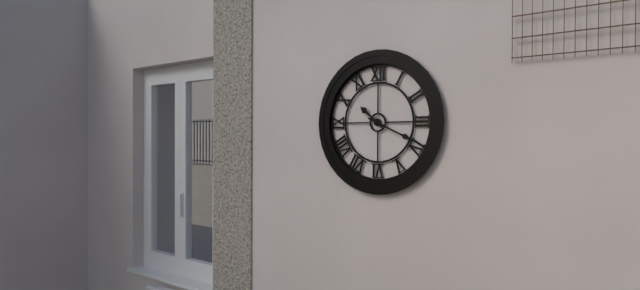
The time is 10 h 19 min
